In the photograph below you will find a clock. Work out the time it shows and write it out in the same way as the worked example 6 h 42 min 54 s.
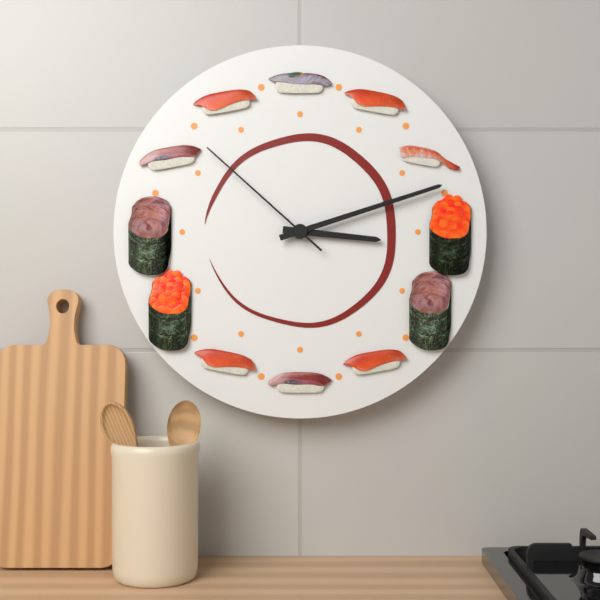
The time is 3 h 12 min 52 s
